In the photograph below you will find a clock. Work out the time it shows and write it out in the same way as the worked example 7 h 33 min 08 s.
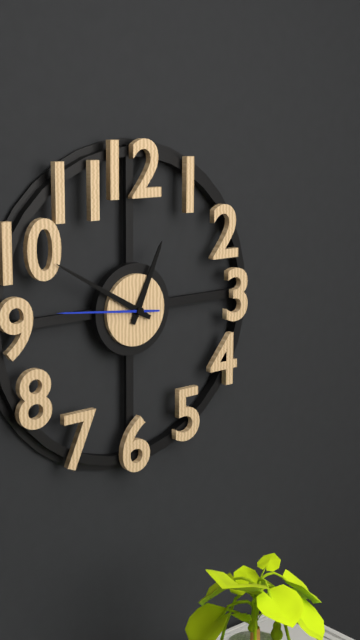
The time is 12 h 50 min 46 s
